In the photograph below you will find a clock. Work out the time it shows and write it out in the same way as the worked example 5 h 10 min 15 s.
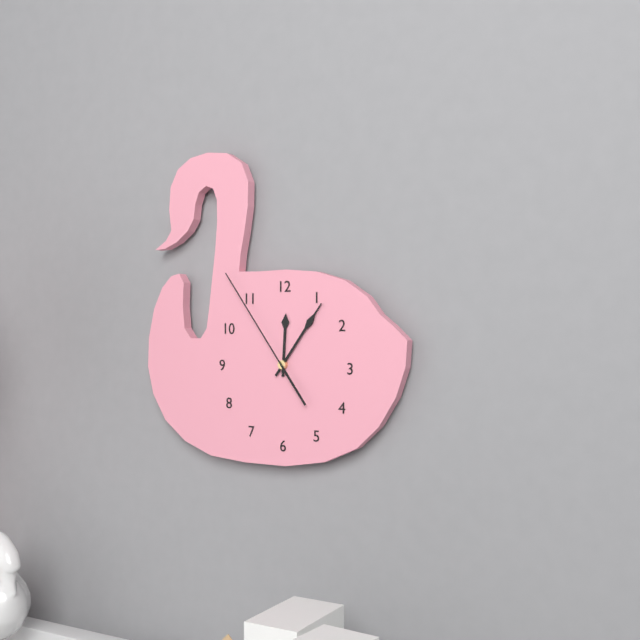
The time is 12 h 06 min 54 s
